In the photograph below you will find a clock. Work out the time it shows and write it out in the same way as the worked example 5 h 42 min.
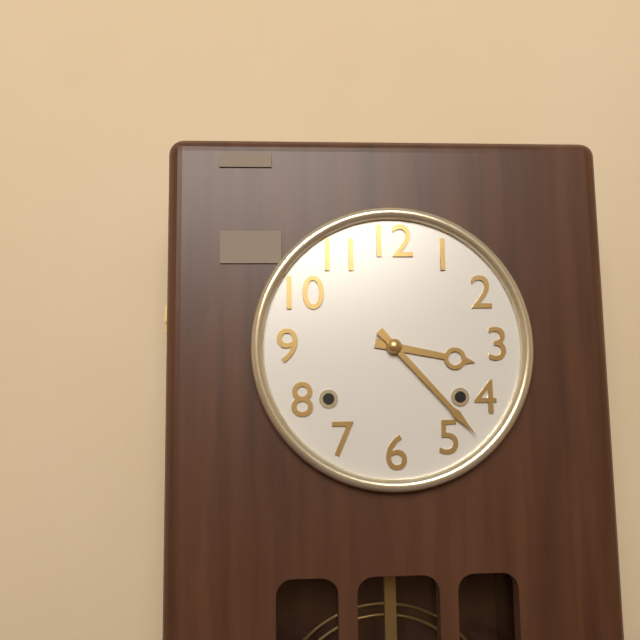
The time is 3 h 23 min
